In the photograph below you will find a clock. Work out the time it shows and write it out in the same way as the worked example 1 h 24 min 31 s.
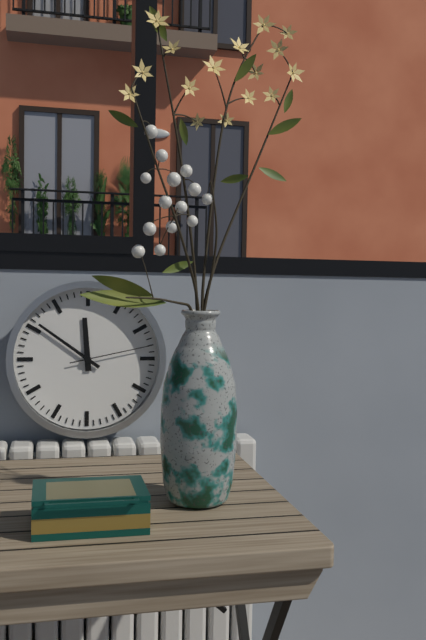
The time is 11 h 51 min 13 s
